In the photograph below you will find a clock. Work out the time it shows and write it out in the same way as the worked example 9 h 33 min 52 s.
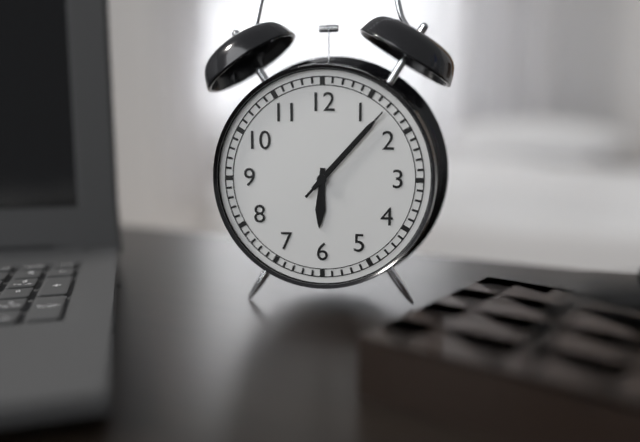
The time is 6 h 07 min 07 s
